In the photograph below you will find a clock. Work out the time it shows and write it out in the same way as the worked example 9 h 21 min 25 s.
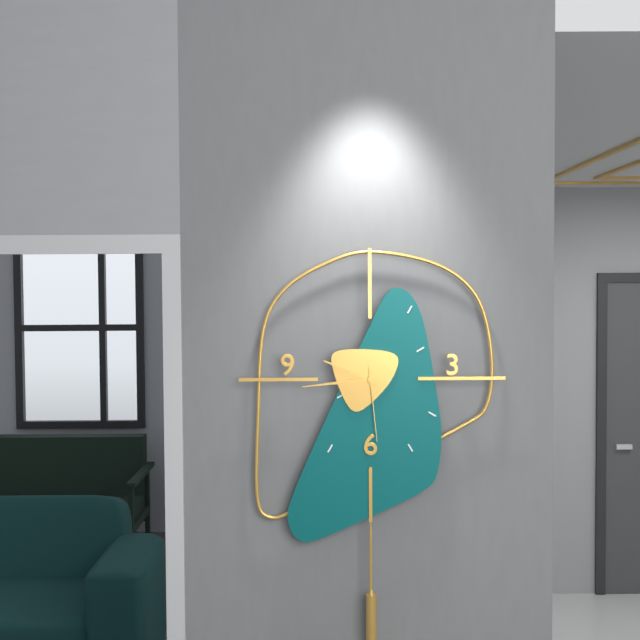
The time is 9 h 44 min 29 s
